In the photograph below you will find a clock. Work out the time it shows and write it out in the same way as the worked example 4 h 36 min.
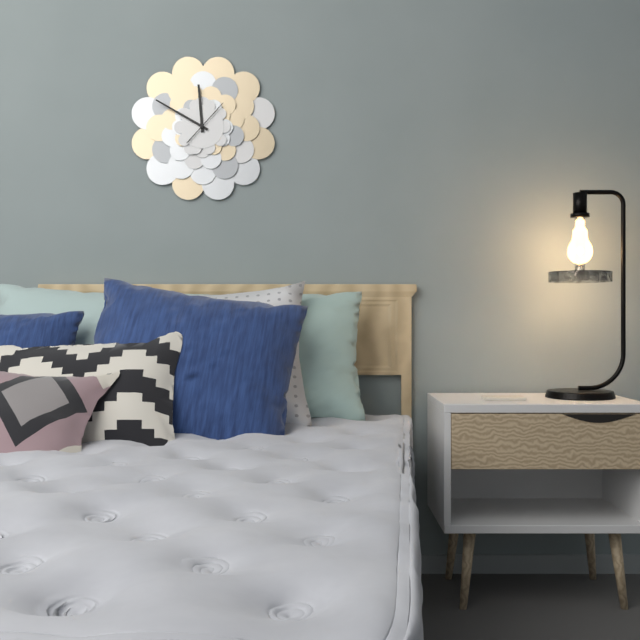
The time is 11 h 50 min
